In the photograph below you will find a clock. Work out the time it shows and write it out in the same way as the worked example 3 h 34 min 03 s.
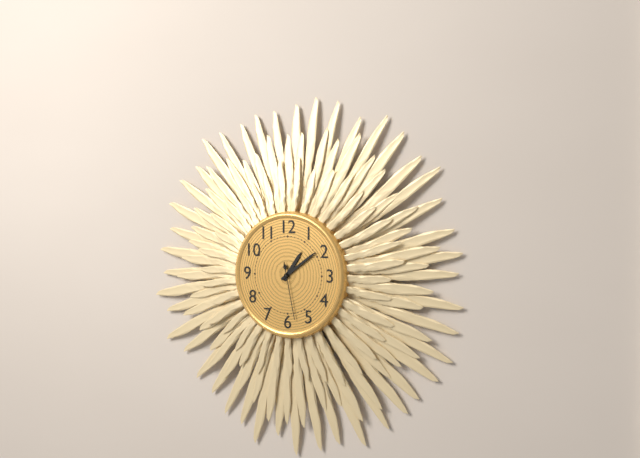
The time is 1 h 09 min 28 s
